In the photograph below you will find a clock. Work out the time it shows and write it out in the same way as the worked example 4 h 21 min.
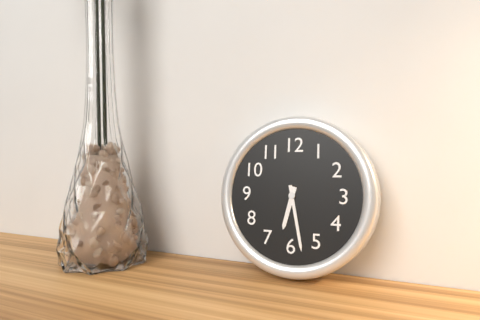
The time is 6 h 28 min
